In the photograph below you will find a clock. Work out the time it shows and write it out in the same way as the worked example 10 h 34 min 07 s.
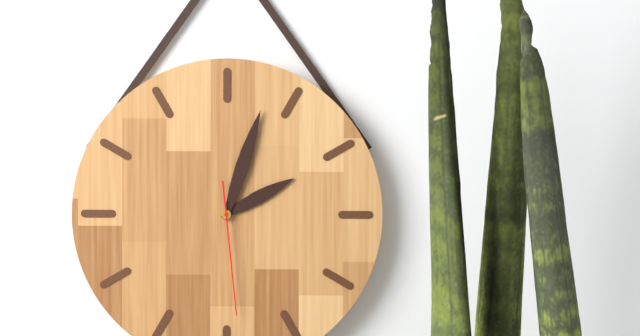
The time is 2 h 03 min 29 s
